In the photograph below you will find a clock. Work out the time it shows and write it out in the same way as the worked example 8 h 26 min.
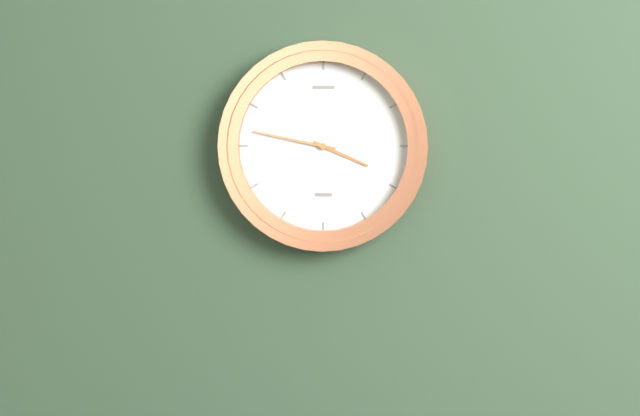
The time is 3 h 47 min
